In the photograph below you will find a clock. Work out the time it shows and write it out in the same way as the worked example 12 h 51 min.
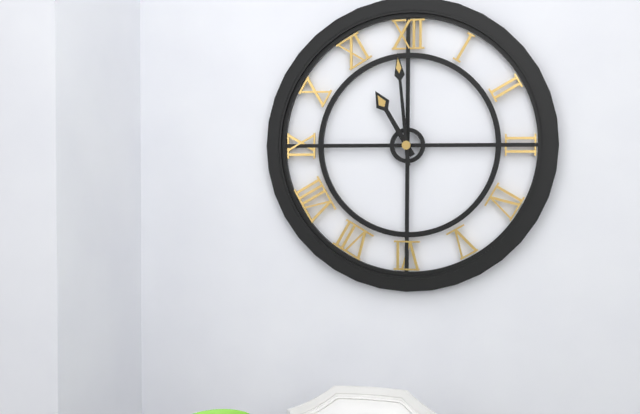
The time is 10 h 59 min
